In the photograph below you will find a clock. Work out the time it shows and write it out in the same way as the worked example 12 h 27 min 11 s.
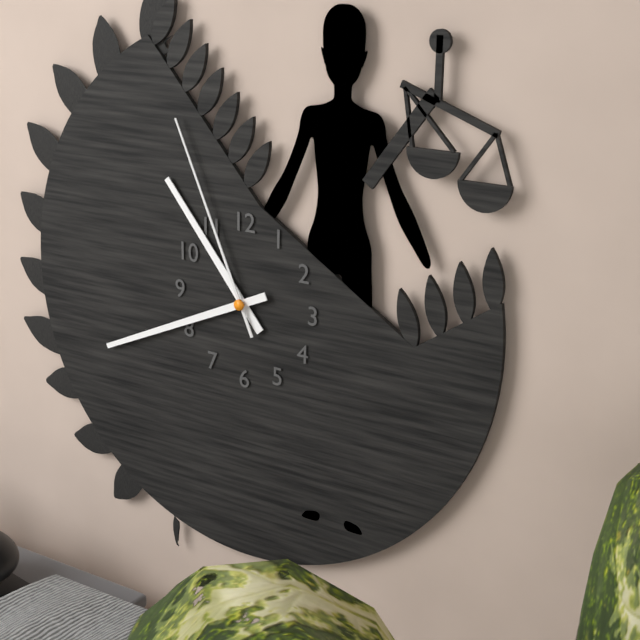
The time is 10 h 41 min 56 s
